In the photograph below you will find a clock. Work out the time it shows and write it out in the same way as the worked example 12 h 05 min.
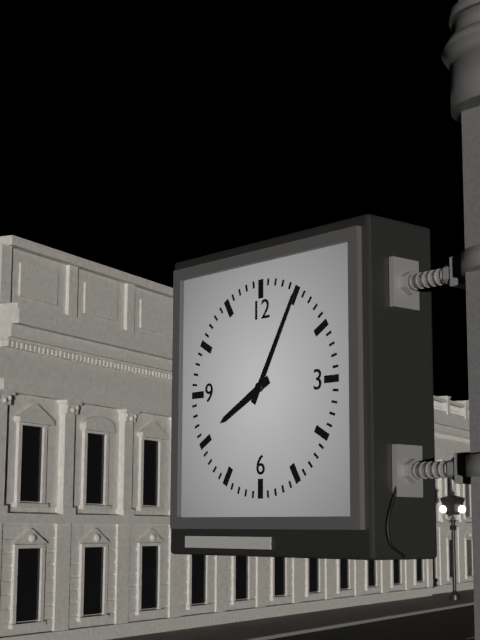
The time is 8 h 05 min
